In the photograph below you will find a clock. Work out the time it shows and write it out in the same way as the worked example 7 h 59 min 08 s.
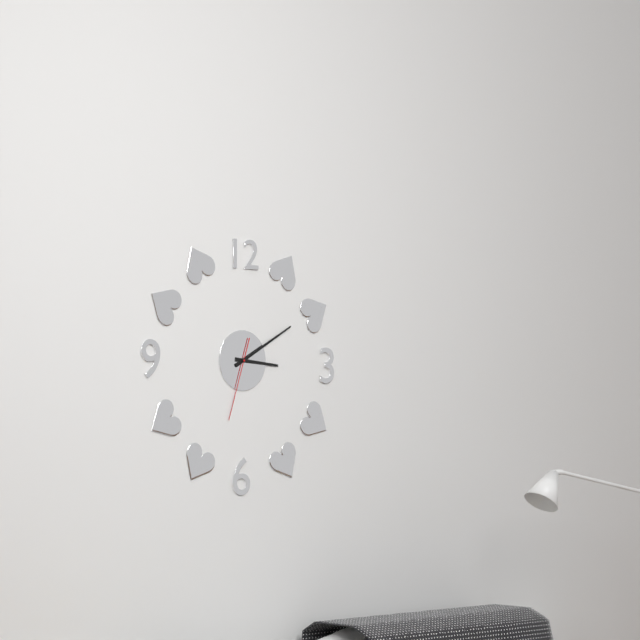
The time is 3 h 10 min 33 s
